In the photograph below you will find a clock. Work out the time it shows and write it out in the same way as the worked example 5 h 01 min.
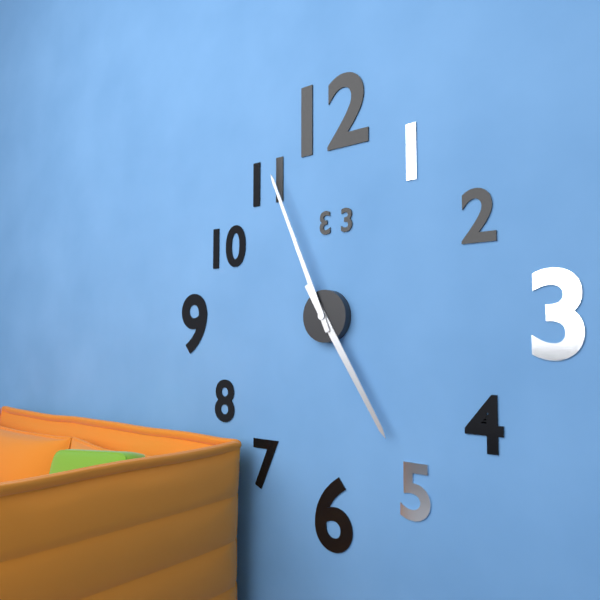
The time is 4 h 56 min
